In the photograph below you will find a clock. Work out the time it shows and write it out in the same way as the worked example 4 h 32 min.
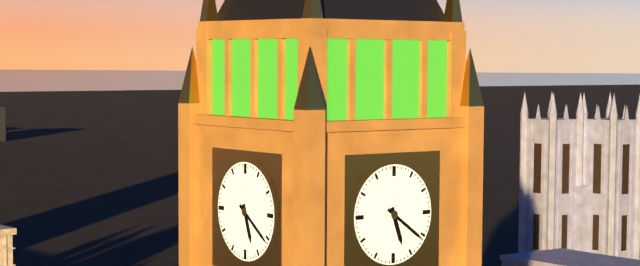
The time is 5 h 21 min
